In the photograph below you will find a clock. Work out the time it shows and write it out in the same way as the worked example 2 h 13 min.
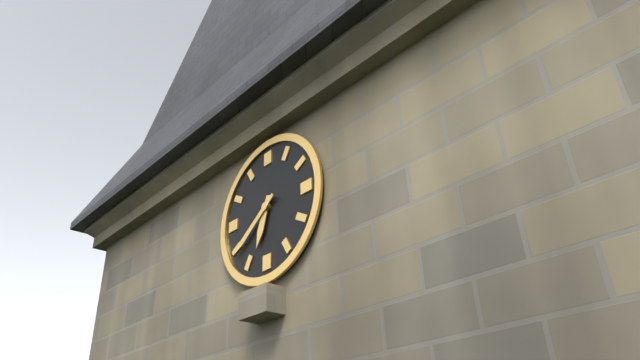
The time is 6 h 39 min
